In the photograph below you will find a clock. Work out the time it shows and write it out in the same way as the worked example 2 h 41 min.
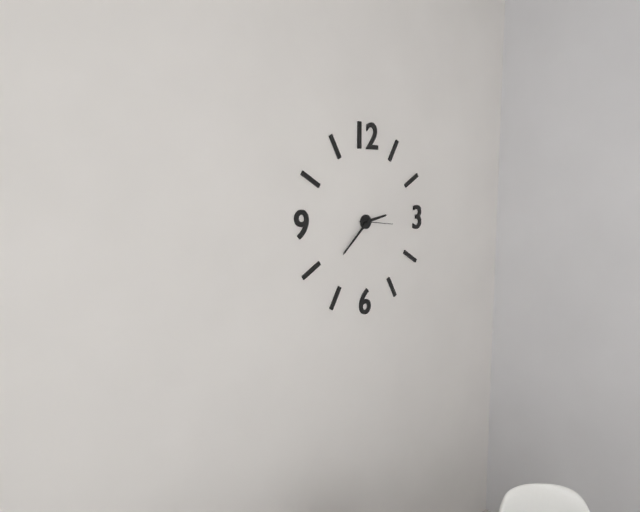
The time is 2 h 38 min
